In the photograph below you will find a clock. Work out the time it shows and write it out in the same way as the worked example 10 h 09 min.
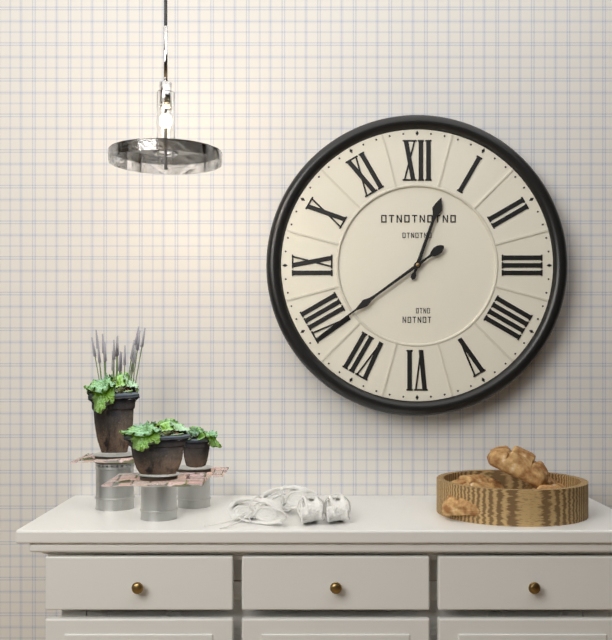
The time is 12 h 39 min
